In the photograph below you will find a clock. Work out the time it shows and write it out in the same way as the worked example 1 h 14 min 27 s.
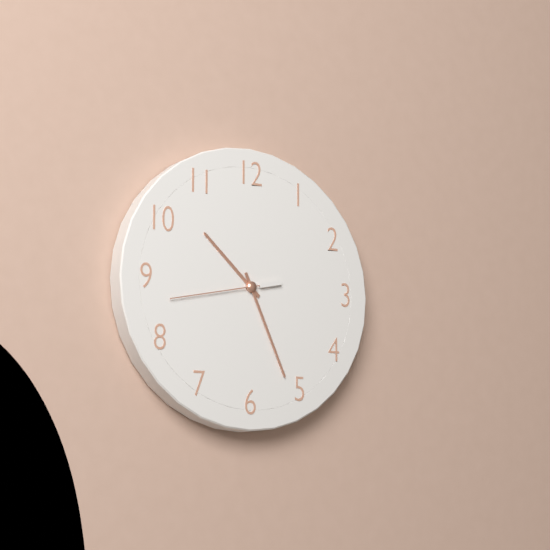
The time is 10 h 26 min 43 s
